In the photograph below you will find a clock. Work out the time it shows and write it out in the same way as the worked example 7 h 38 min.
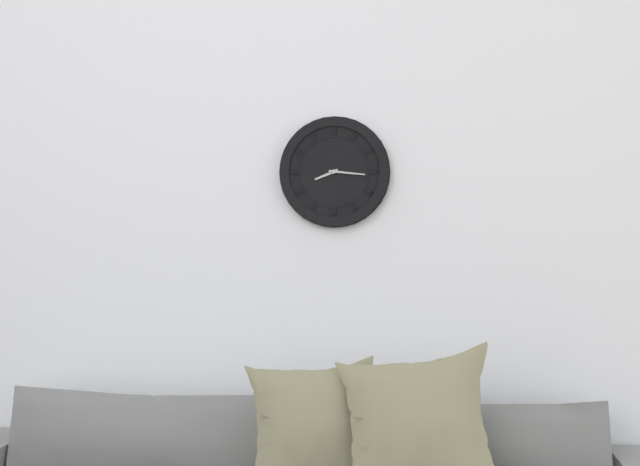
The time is 8 h 16 min
